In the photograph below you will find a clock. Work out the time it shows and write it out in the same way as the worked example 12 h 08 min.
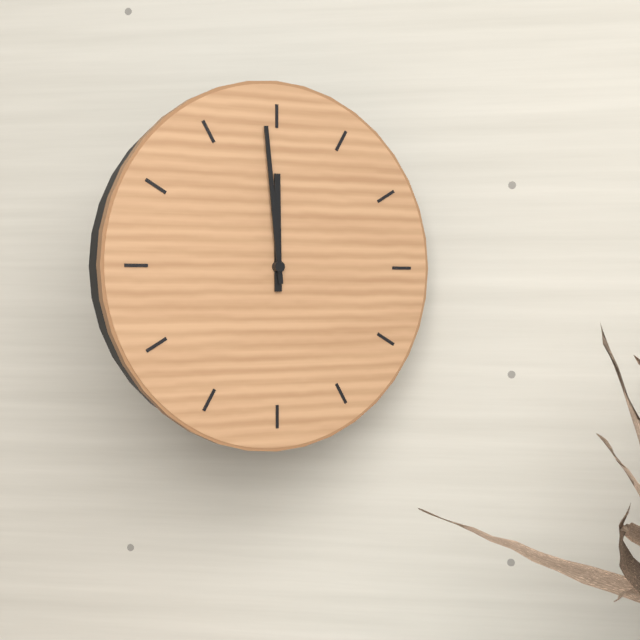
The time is 11 h 59 min
